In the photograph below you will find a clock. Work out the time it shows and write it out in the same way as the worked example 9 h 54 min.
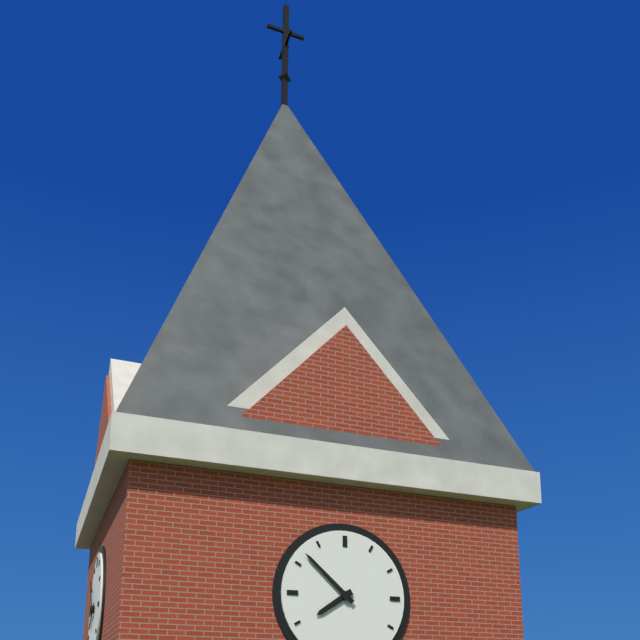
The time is 7 h 52 min
